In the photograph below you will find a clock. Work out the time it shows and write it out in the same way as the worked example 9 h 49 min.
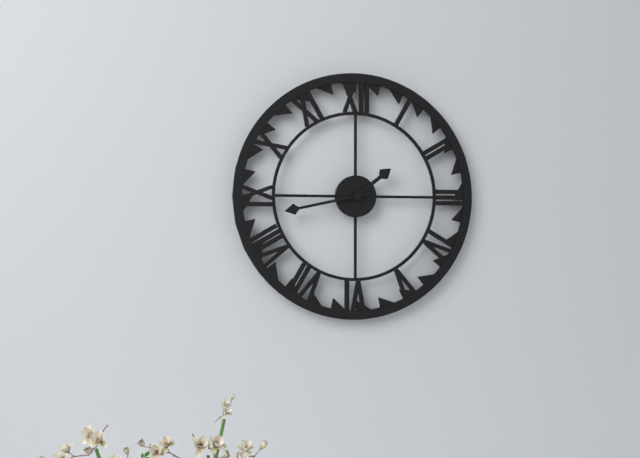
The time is 1 h 43 min
